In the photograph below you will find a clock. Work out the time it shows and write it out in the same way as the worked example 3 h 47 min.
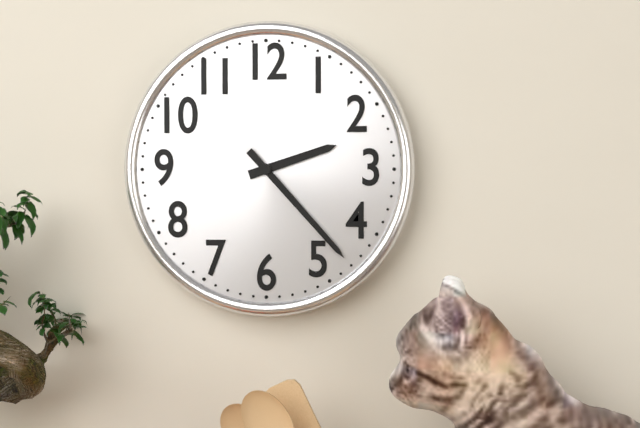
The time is 2 h 23 min
